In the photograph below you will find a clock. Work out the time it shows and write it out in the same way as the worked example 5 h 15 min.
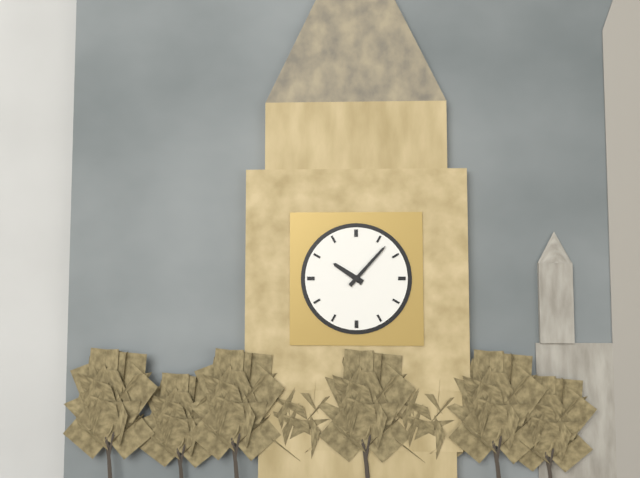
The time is 10 h 07 min
